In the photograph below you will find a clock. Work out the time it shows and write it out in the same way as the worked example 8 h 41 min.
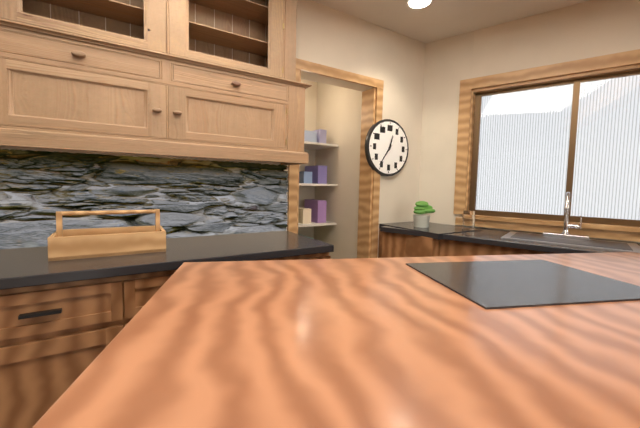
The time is 12 h 36 min
